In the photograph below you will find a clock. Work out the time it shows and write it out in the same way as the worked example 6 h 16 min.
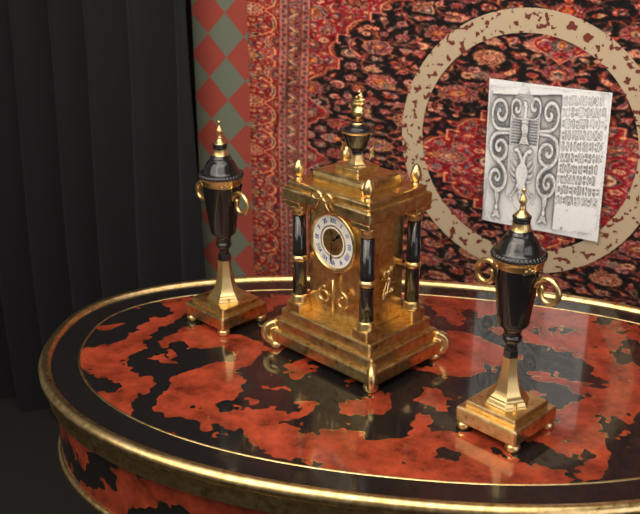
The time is 1 h 31 min
